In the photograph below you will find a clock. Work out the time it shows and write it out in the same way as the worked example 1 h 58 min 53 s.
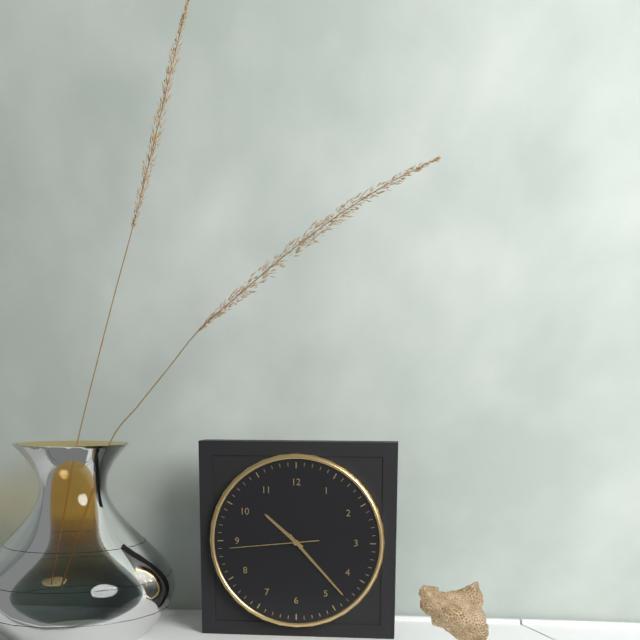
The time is 10 h 23 min 44 s
